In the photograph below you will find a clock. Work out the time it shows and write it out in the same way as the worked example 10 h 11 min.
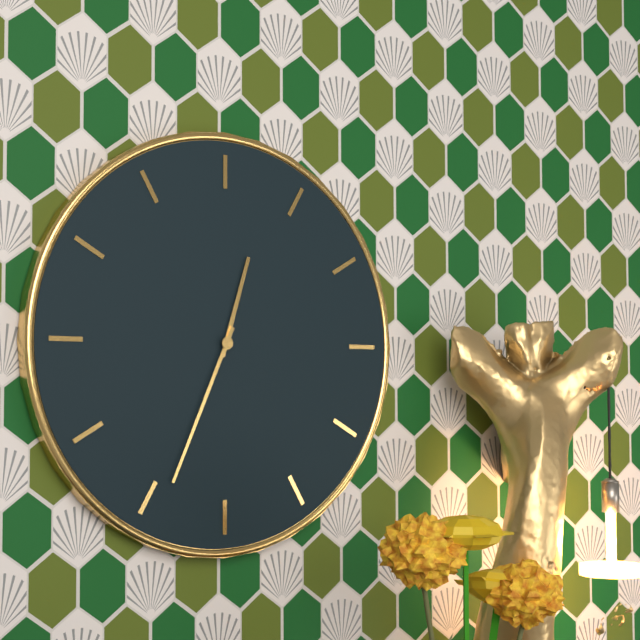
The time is 12 h 34 min
